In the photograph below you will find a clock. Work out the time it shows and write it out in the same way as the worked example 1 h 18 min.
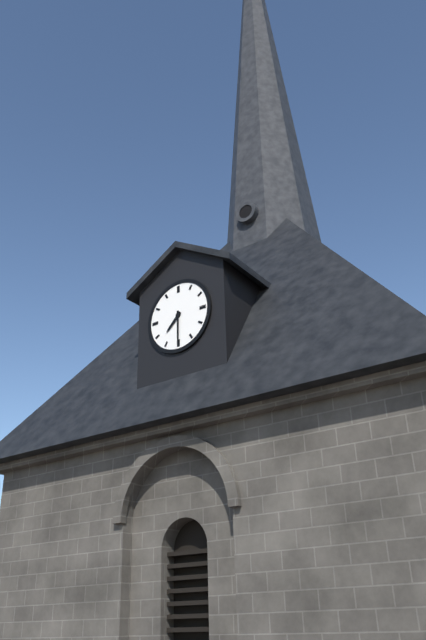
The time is 7 h 30 min
